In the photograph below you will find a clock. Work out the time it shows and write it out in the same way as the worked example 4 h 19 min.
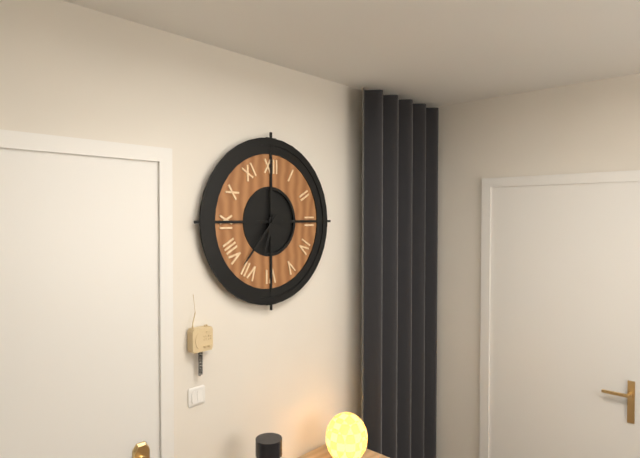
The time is 6 h 37 min
